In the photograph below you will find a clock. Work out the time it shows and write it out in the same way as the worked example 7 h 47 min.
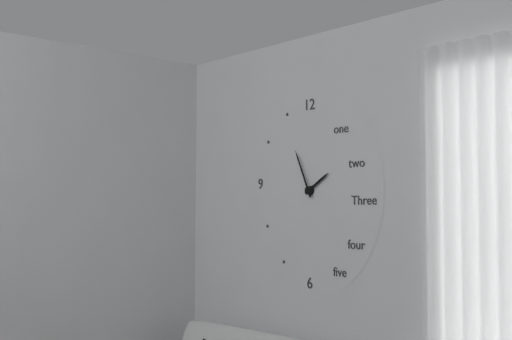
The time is 1 h 56 min
